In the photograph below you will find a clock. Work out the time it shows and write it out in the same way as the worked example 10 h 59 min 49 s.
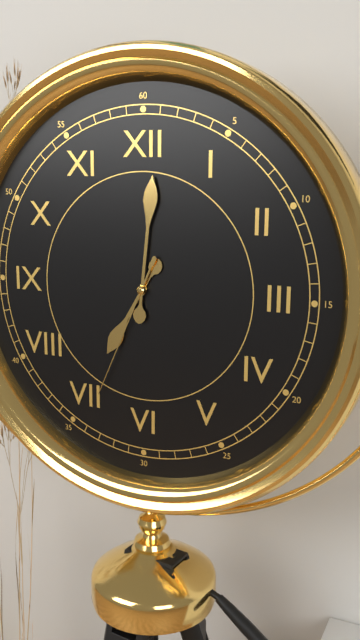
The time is 7 h 01 min 34 s
